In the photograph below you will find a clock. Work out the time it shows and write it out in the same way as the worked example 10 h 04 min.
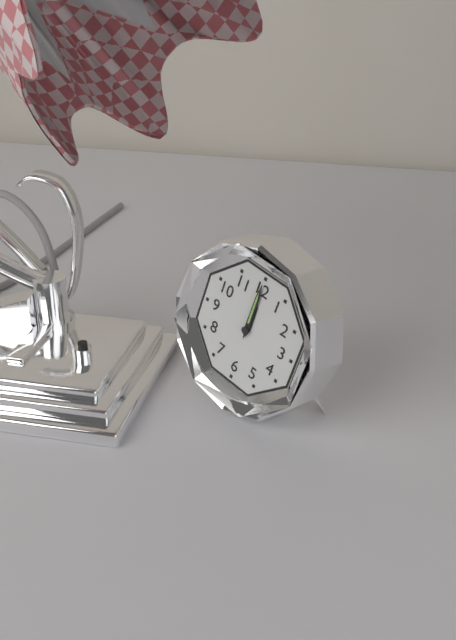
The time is 12 h 00 min
